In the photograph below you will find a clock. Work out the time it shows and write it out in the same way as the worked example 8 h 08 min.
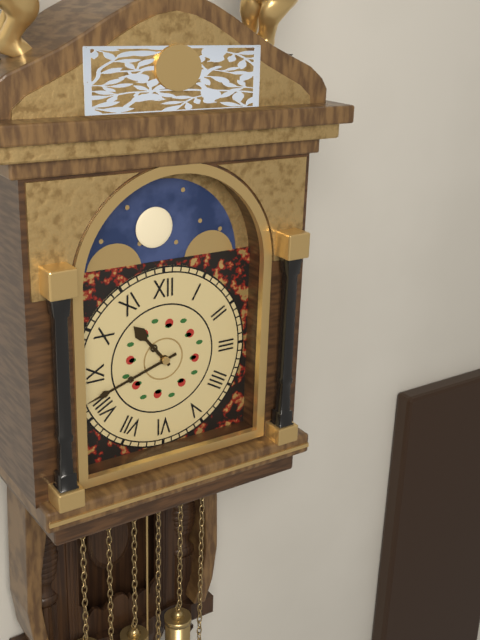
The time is 10 h 42 min
